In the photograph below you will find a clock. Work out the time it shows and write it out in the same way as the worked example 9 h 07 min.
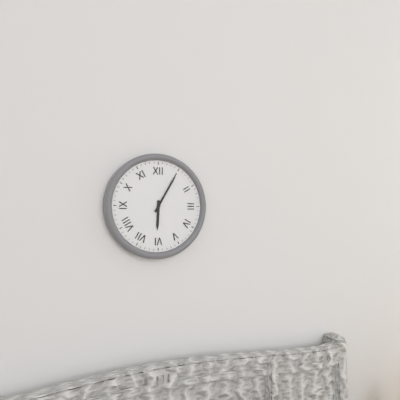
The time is 6 h 05 min
